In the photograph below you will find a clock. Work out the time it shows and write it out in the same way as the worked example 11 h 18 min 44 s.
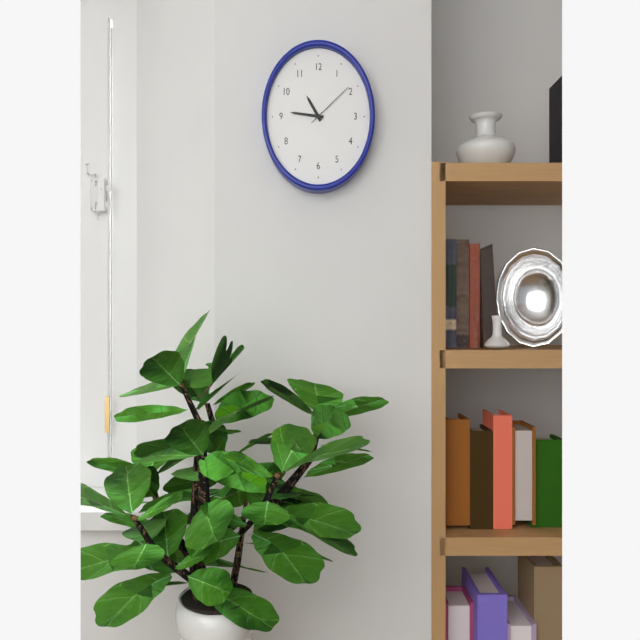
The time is 10 h 46 min 09 s
